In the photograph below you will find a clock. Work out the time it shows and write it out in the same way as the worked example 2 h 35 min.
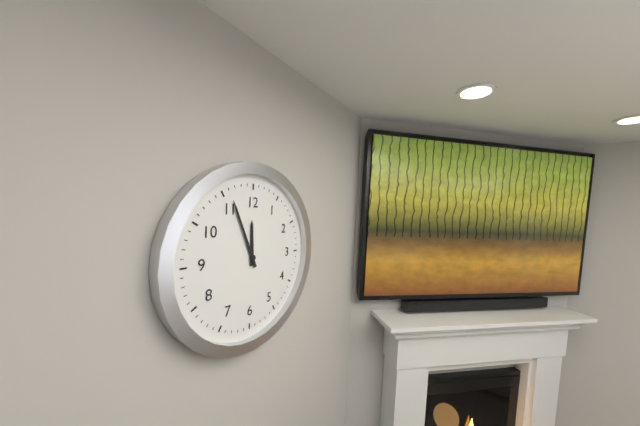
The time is 11 h 56 min
